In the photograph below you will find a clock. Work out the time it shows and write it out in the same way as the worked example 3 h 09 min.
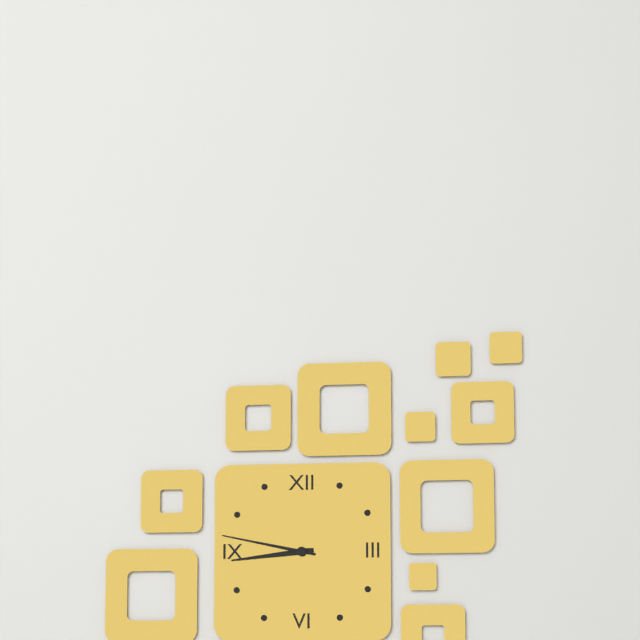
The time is 8 h 47 min
